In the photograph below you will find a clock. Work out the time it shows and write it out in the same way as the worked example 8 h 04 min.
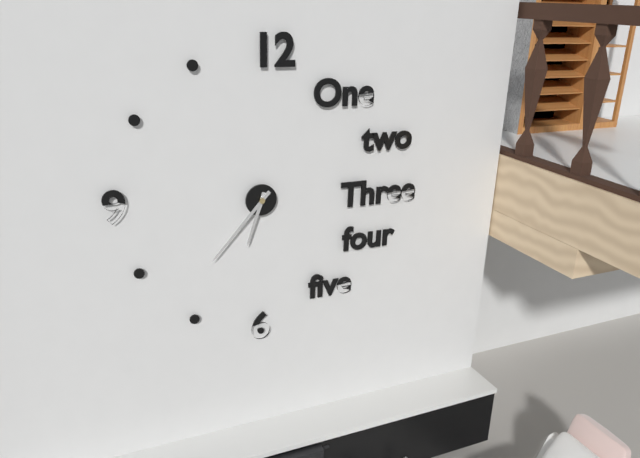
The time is 6 h 37 min
